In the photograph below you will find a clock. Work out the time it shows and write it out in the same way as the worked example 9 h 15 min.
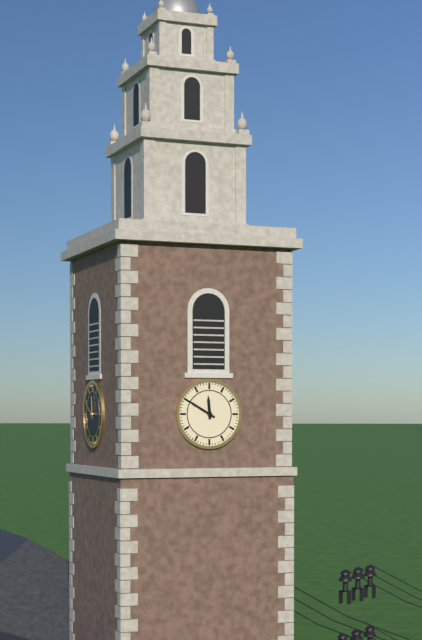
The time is 11 h 50 min
